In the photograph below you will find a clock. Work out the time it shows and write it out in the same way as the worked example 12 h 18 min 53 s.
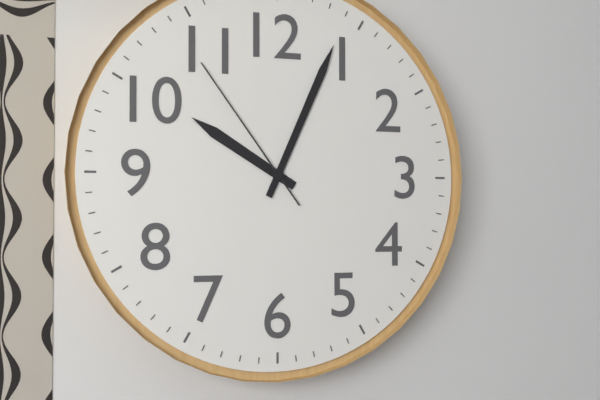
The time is 10 h 04 min 54 s
